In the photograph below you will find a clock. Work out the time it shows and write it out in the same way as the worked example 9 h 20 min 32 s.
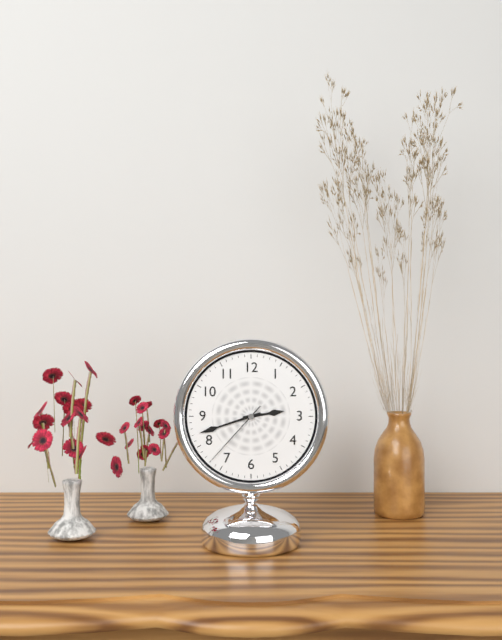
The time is 2 h 42 min 37 s
